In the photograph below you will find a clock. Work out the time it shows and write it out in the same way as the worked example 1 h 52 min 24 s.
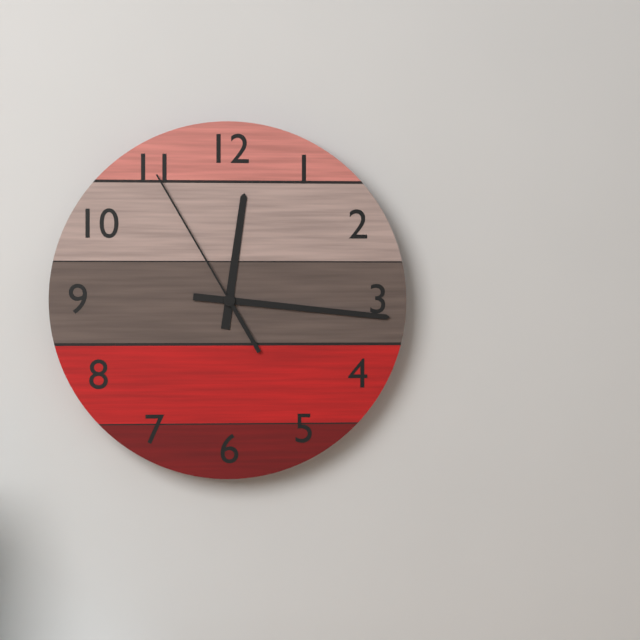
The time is 12 h 16 min 55 s
